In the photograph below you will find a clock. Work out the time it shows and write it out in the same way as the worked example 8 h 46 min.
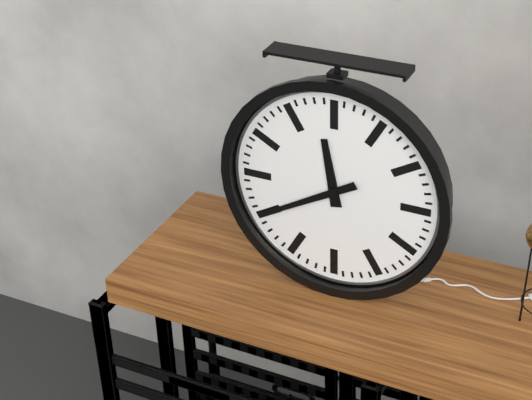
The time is 11 h 40 min
